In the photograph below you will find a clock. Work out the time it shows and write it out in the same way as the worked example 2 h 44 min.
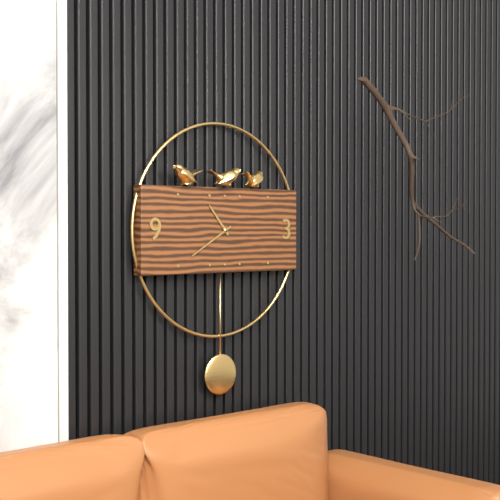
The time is 10 h 40 min
